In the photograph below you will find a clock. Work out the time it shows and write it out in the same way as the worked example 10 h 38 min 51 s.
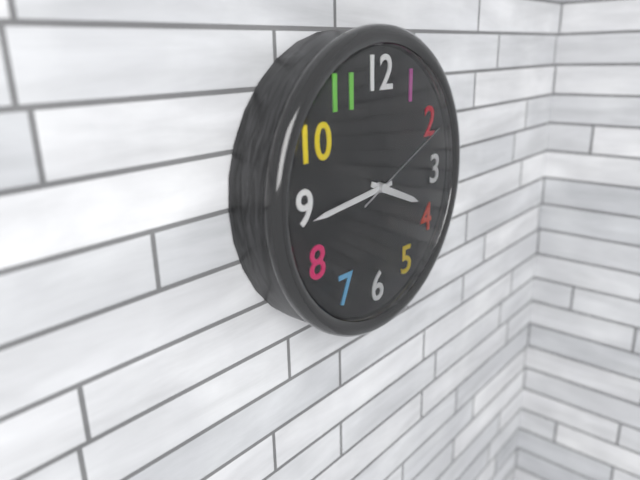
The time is 3 h 44 min 11 s
